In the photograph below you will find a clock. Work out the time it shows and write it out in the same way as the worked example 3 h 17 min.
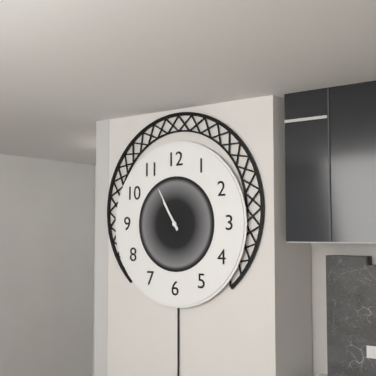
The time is 10 h 55 min
